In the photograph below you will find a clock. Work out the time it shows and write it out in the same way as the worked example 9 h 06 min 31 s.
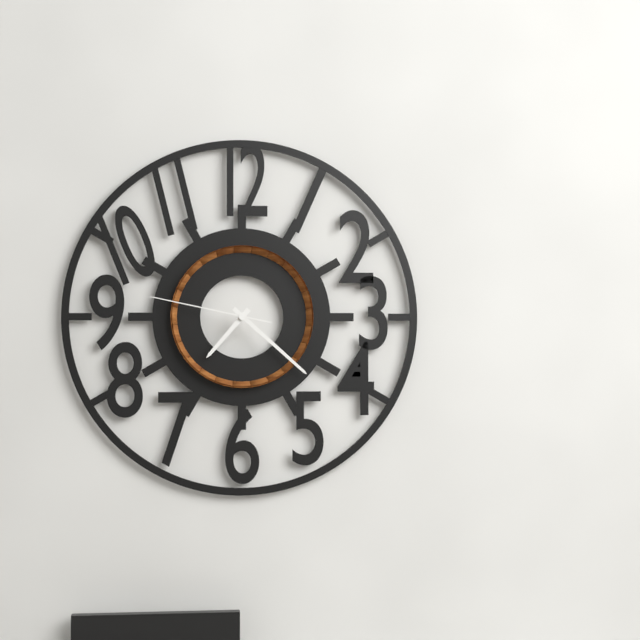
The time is 7 h 22 min 47 s
